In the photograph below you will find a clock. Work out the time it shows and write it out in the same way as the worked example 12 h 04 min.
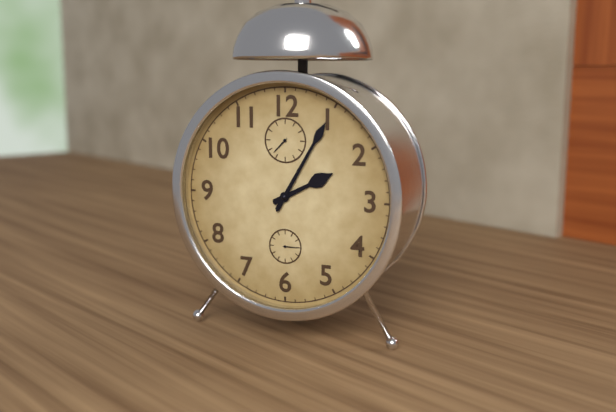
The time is 2 h 05 min
